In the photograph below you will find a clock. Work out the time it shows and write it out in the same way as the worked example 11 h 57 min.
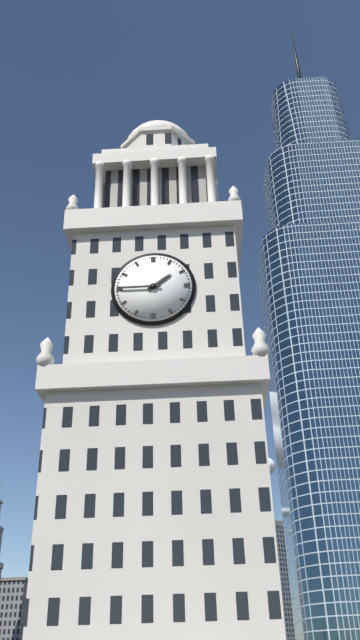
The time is 1 h 45 min
